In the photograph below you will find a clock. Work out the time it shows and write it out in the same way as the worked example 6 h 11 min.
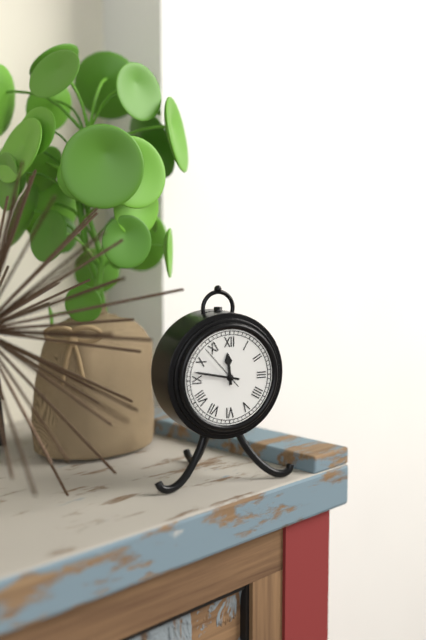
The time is 11 h 47 min
